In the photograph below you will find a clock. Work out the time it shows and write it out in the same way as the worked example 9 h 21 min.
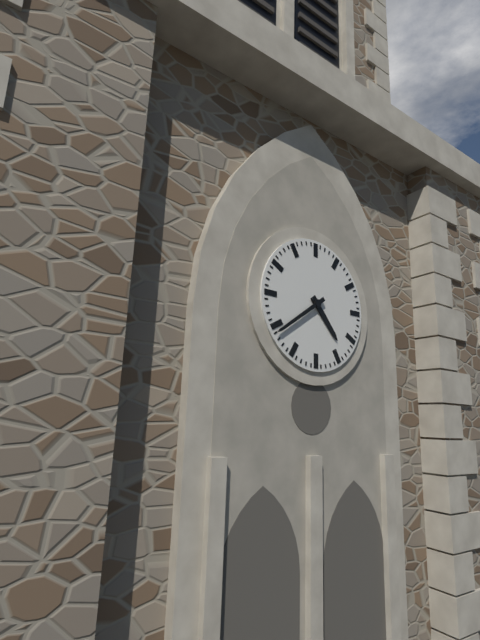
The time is 4 h 39 min
